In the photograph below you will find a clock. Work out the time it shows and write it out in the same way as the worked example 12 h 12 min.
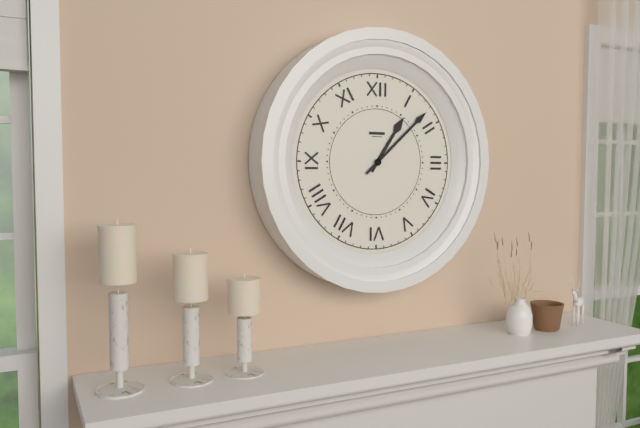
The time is 1 h 08 min
